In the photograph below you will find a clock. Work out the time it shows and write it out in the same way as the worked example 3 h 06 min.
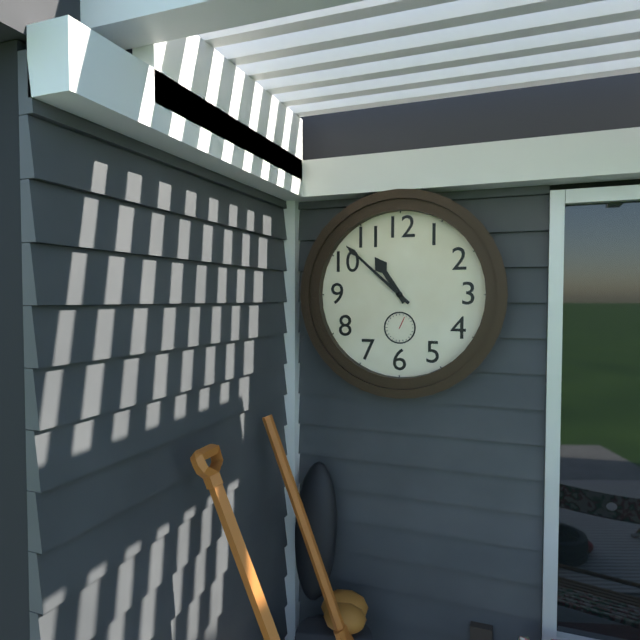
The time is 10 h 52 min
